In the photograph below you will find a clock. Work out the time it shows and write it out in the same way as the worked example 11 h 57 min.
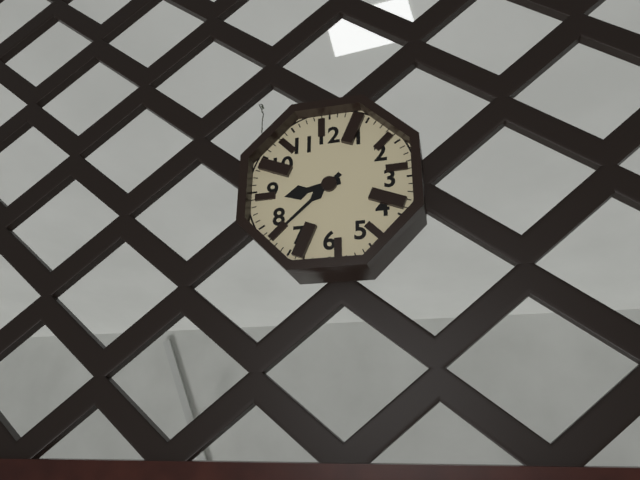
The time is 8 h 38 min
